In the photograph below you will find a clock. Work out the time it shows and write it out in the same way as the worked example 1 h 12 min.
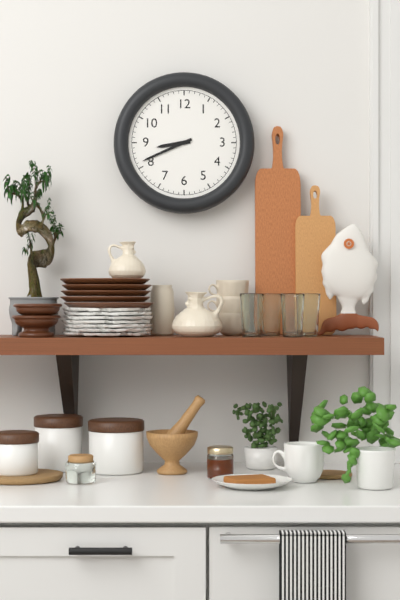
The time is 8 h 41 min
